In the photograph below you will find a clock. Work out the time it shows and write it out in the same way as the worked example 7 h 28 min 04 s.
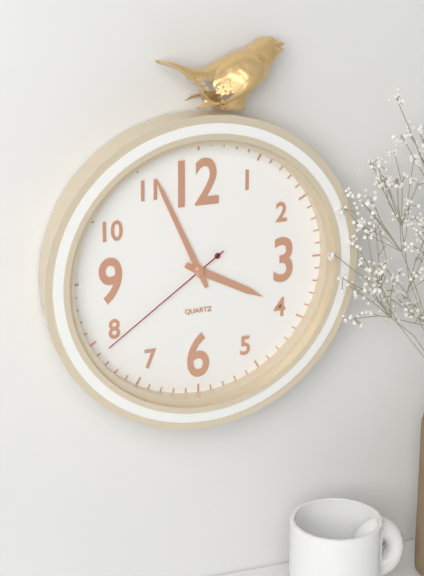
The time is 3 h 56 min 39 s
